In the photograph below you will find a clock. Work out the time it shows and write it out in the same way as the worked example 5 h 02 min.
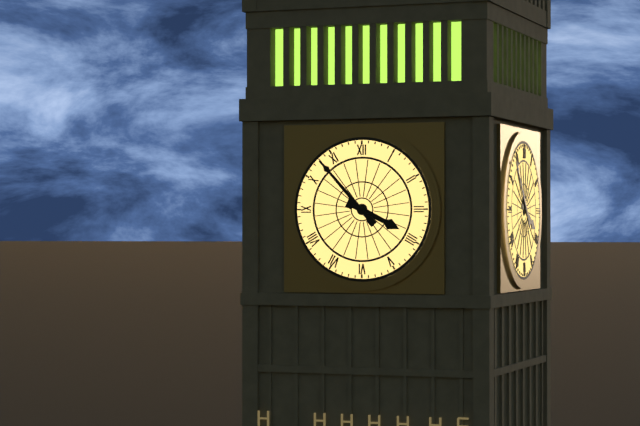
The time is 3 h 53 min
